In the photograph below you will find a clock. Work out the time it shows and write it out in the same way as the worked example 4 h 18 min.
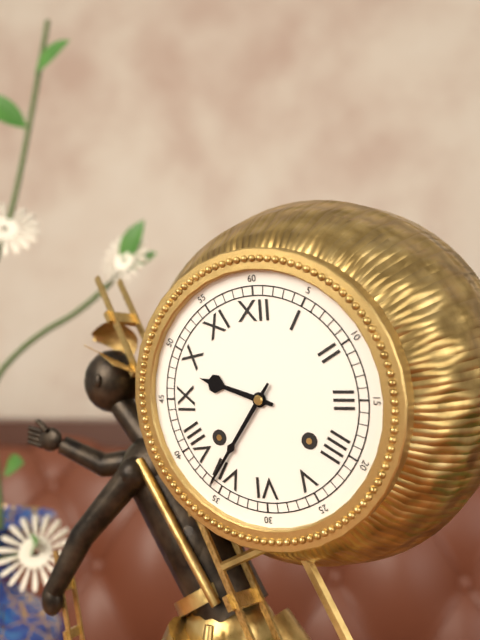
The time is 9 h 36 min
